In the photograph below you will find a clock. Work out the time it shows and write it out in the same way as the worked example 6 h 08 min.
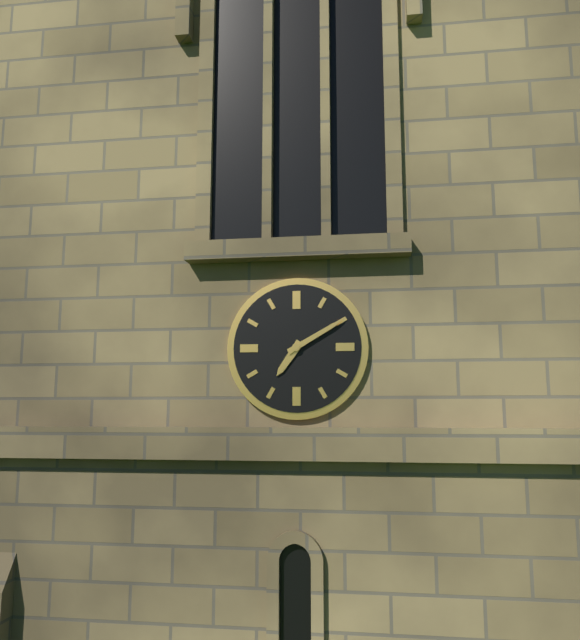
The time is 7 h 10 min
